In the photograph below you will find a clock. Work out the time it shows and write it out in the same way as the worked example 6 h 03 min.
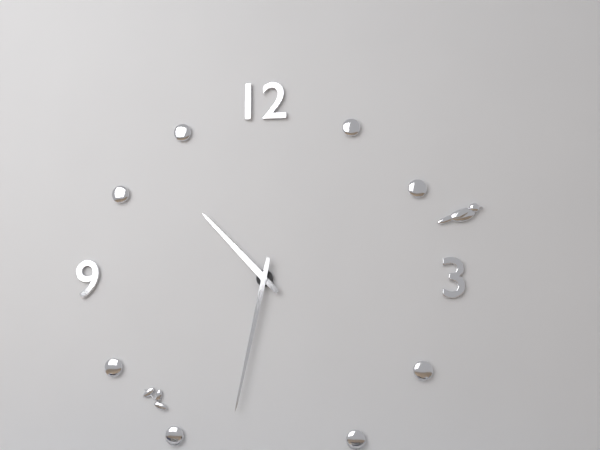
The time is 10 h 32 min
